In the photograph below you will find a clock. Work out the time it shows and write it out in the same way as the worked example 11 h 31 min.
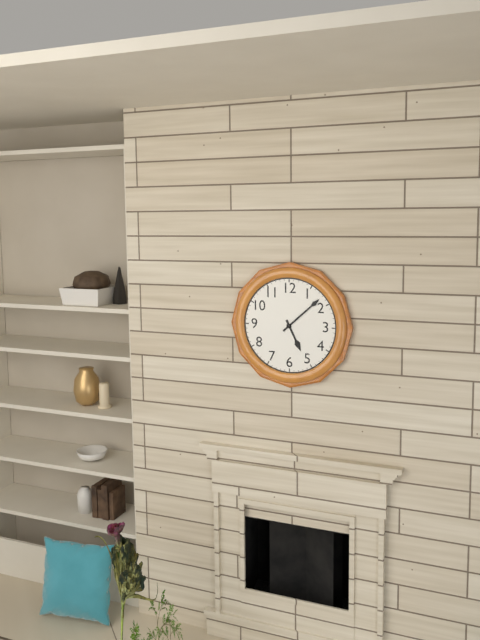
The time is 5 h 08 min
